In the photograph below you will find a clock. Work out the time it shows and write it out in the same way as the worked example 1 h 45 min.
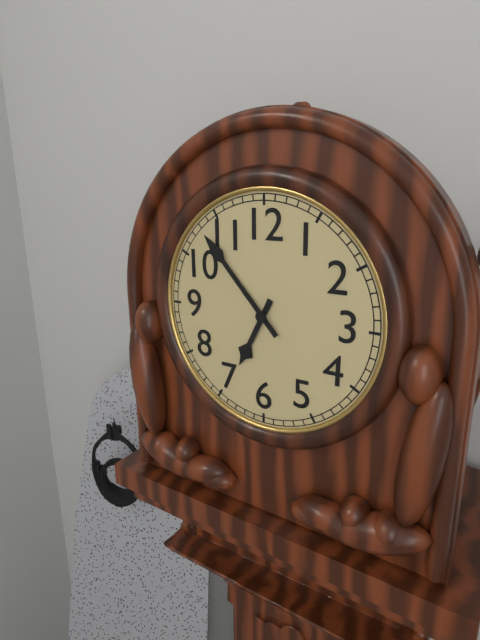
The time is 6 h 53 min
